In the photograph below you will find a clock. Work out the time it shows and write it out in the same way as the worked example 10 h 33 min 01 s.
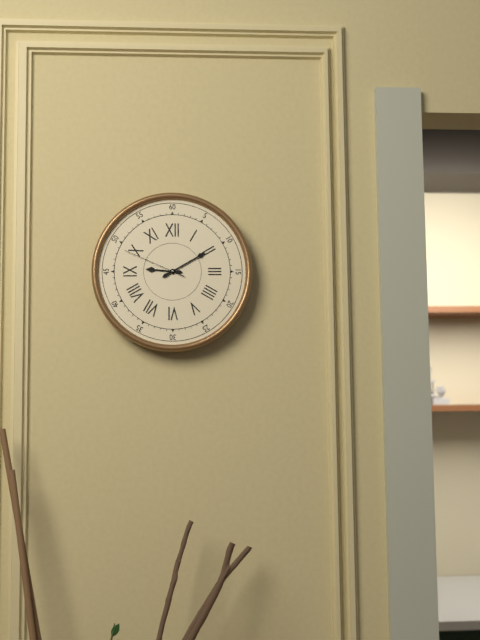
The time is 9 h 10 min 49 s
